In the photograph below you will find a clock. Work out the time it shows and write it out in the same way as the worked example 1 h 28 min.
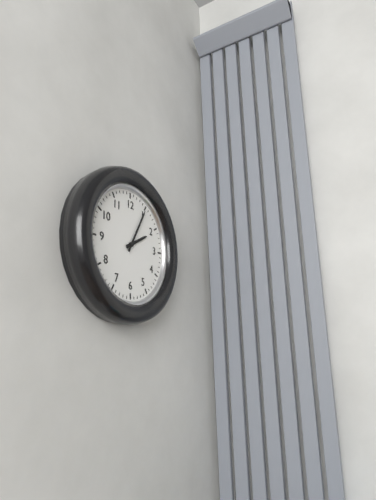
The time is 2 h 05 min
